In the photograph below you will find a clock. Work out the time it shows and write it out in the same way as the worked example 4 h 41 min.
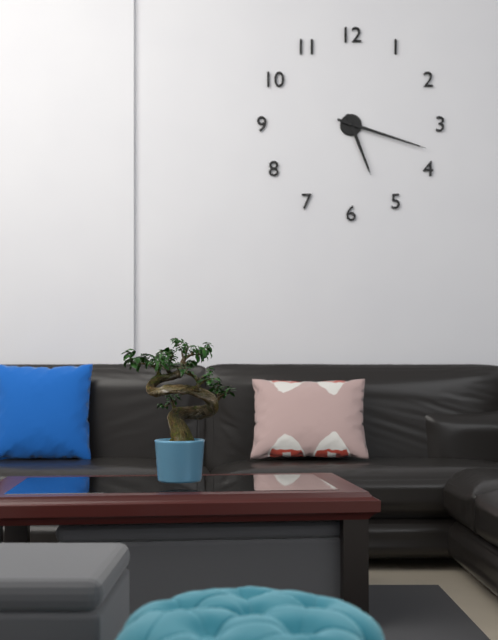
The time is 5 h 18 min
